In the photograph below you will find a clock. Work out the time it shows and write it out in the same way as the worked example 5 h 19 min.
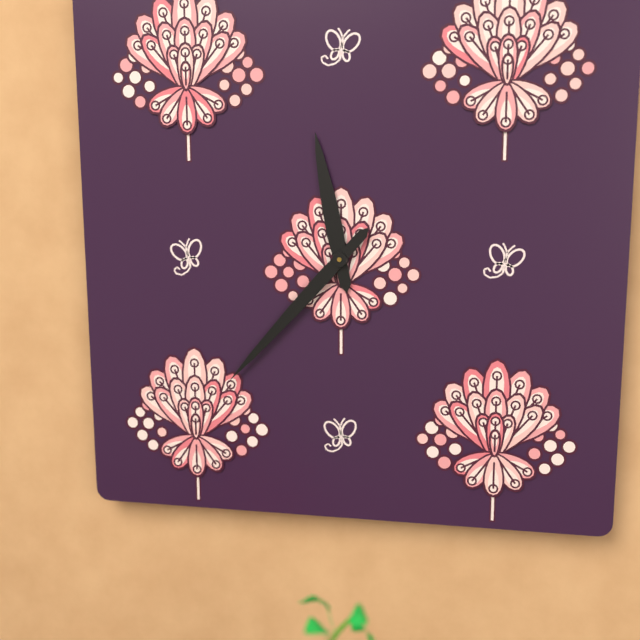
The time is 11 h 37 min
